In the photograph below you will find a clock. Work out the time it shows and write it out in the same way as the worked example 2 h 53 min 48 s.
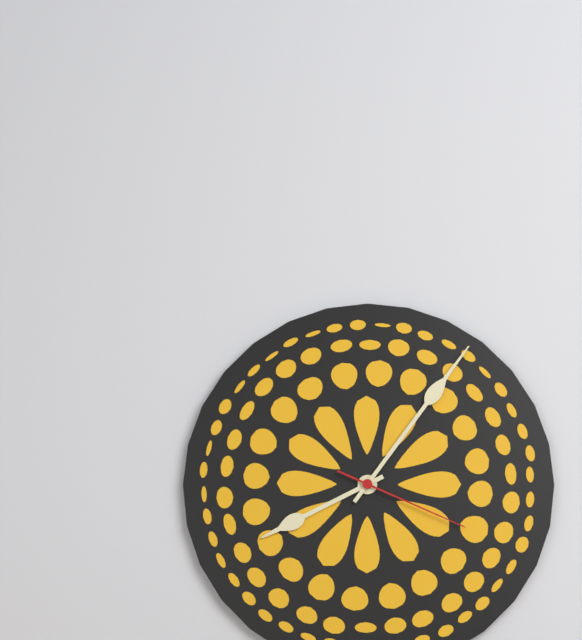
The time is 8 h 06 min 19 s
